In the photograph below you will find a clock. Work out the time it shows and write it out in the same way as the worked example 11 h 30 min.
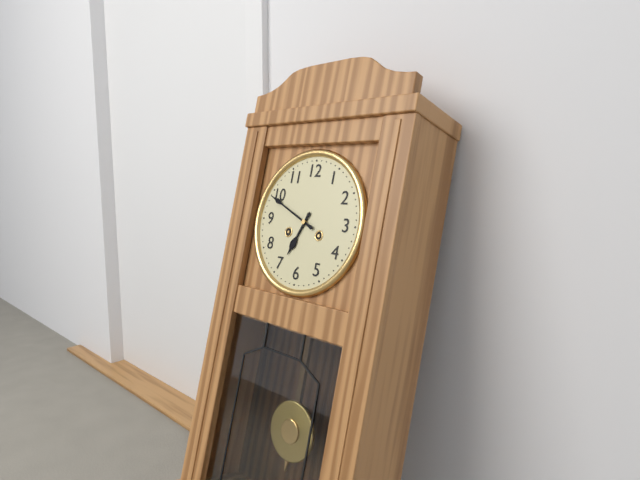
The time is 6 h 49 min
